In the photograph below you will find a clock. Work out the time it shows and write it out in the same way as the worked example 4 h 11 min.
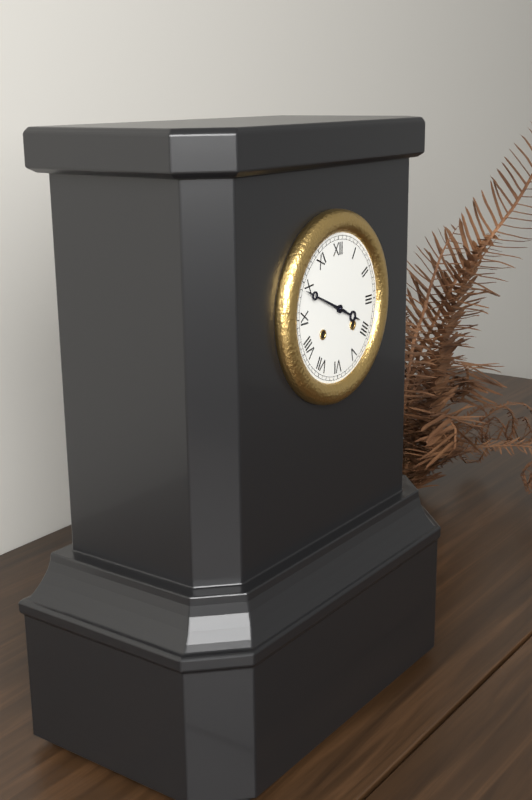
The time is 3 h 49 min
